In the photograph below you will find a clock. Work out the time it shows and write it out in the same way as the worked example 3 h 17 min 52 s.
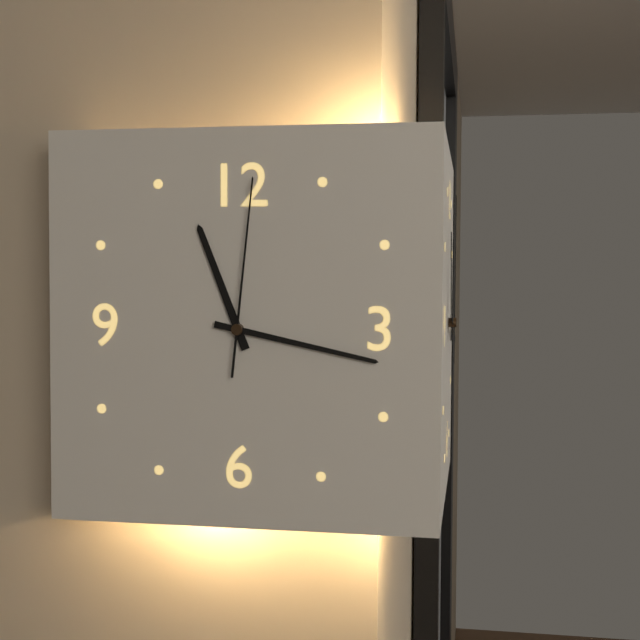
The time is 11 h 17 min 01 s
